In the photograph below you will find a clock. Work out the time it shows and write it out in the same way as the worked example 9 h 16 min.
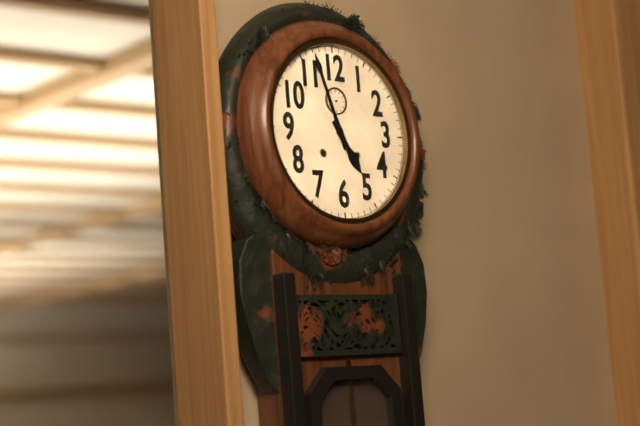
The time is 4 h 57 min
